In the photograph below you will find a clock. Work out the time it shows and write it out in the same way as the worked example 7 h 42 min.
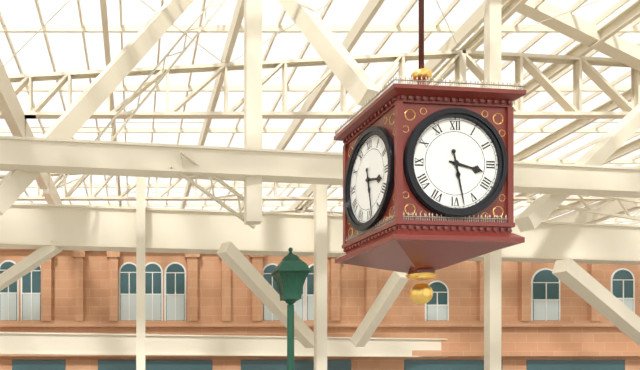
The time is 3 h 28 min
